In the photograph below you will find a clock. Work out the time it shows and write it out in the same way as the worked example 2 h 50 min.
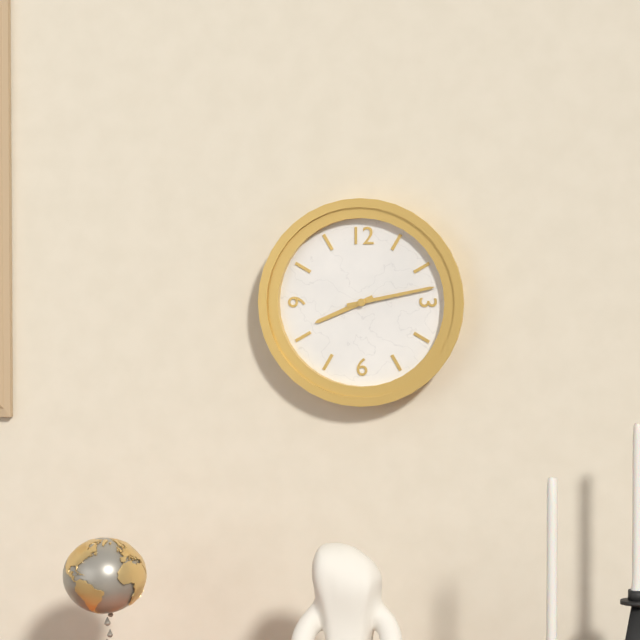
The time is 8 h 13 min
